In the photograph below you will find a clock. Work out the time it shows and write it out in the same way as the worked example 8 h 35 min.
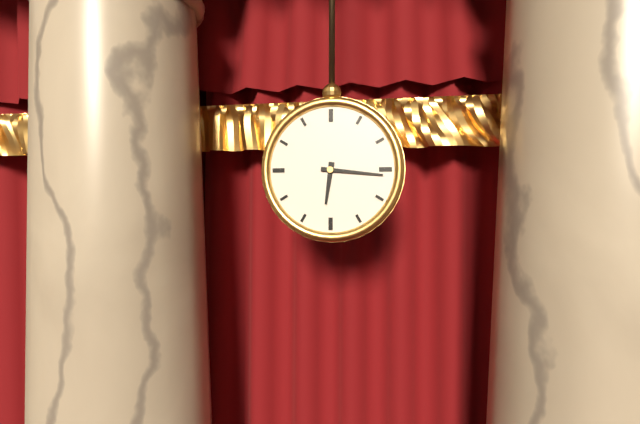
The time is 6 h 16 min
